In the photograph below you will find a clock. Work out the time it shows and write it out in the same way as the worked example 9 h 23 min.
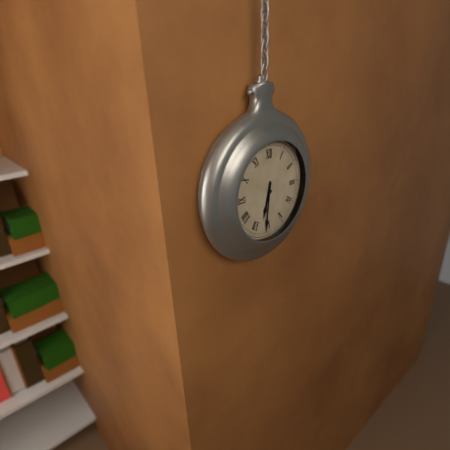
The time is 6 h 31 min
